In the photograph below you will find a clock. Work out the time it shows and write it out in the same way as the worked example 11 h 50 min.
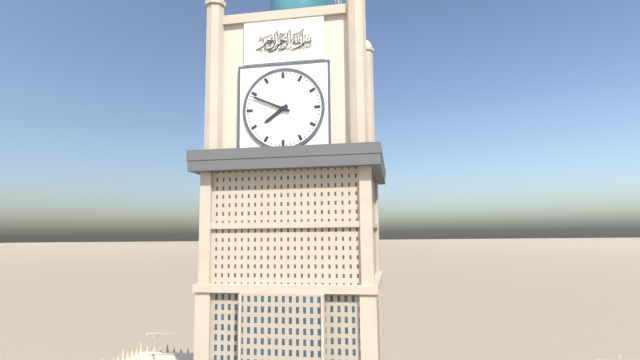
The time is 7 h 49 min
